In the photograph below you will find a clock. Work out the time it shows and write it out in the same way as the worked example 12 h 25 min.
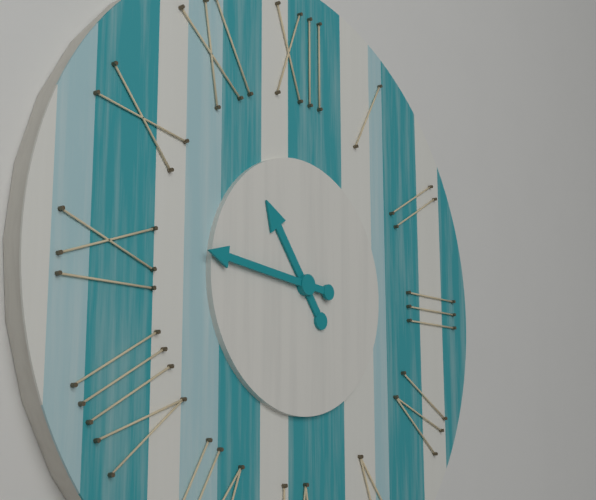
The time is 10 h 46 min
